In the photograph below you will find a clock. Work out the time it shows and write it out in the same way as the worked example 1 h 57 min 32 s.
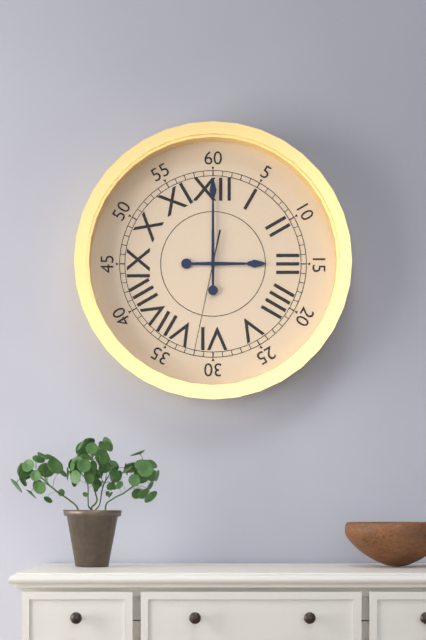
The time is 3 h 00 min 32 s
